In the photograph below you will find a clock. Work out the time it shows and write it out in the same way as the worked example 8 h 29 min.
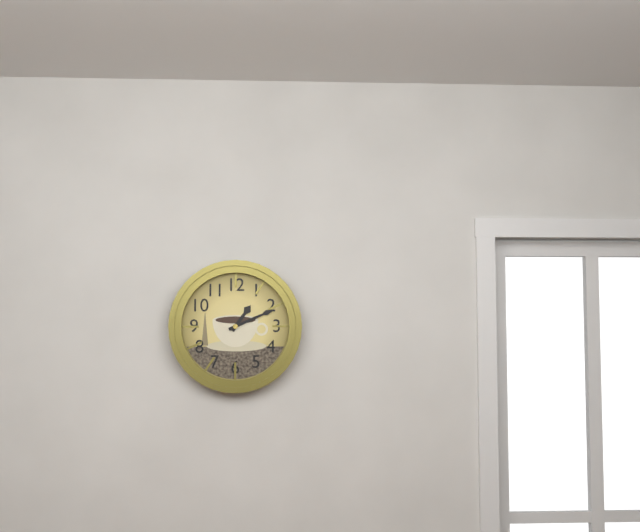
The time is 1 h 11 min
